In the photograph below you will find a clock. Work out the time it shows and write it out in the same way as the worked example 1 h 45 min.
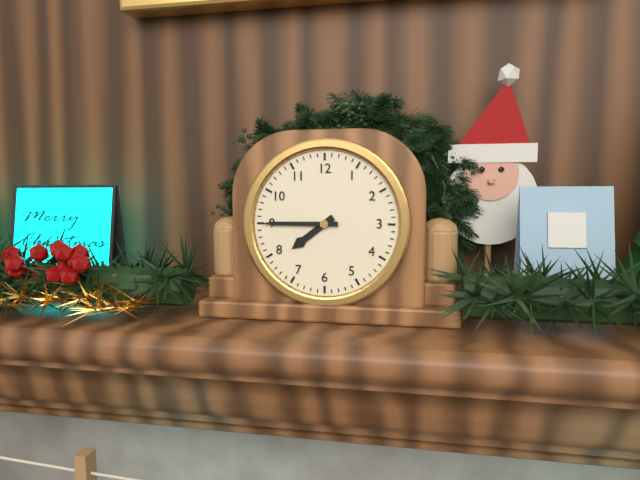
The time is 7 h 45 min
